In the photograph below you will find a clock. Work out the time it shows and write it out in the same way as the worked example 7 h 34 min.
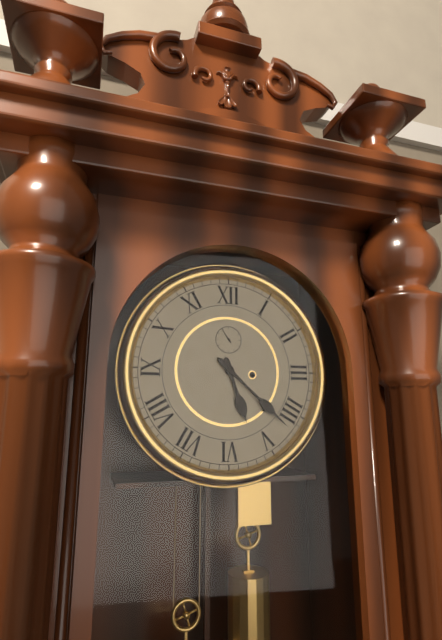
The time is 5 h 22 min
